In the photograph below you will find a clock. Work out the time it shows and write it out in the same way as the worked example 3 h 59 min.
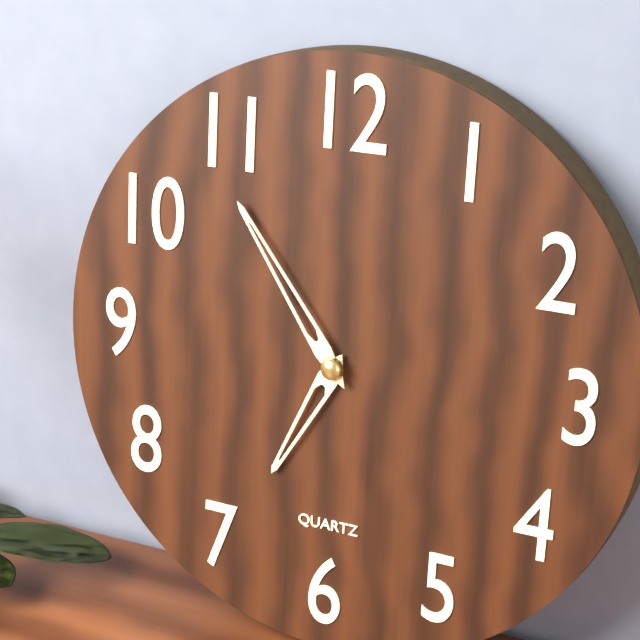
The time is 6 h 54 min
